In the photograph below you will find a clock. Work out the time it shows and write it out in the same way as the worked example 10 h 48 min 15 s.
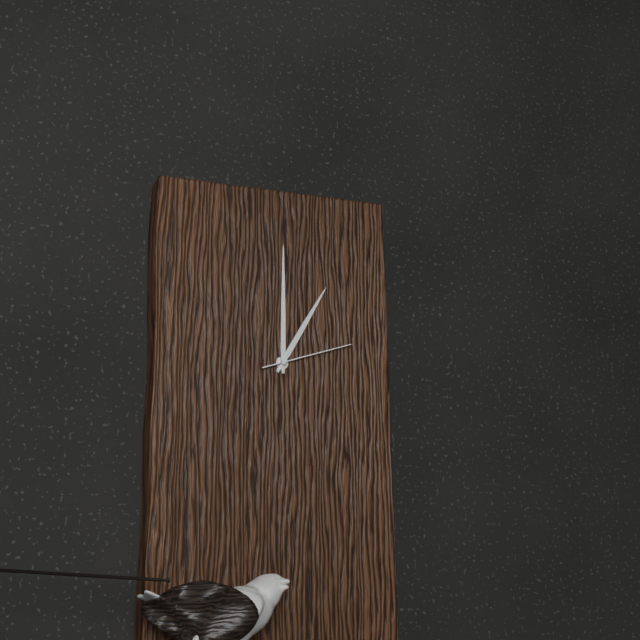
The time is 1 h 00 min 12 s
